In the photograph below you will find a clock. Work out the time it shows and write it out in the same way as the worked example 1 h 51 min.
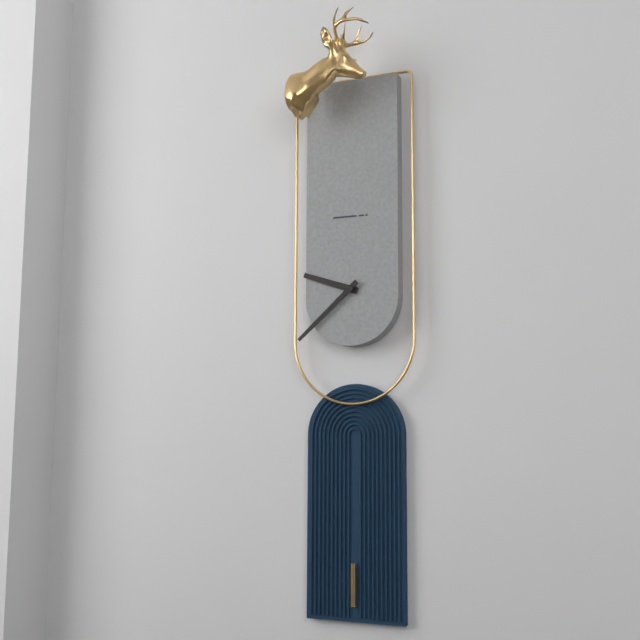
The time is 9 h 38 min
